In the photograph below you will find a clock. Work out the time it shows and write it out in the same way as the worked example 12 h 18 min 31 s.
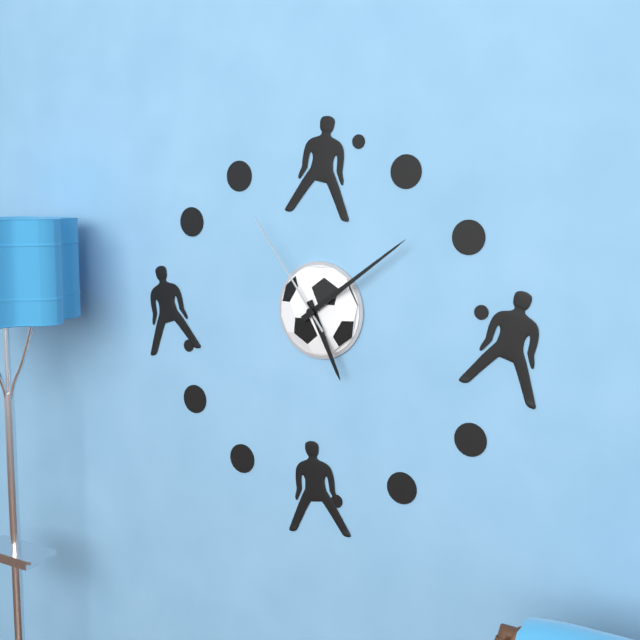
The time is 5 h 09 min 54 s
